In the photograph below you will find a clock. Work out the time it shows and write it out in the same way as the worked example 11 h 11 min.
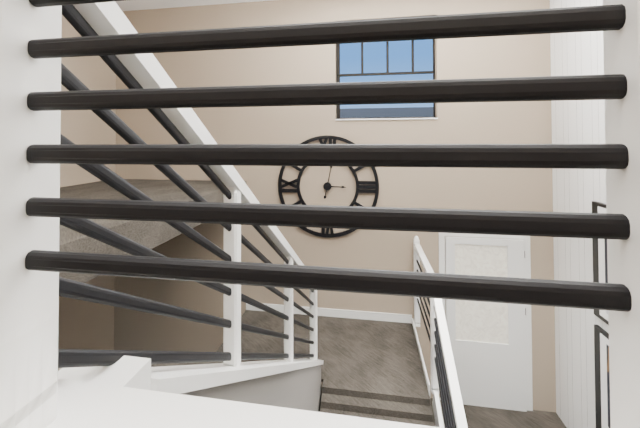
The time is 3 h 02 min
